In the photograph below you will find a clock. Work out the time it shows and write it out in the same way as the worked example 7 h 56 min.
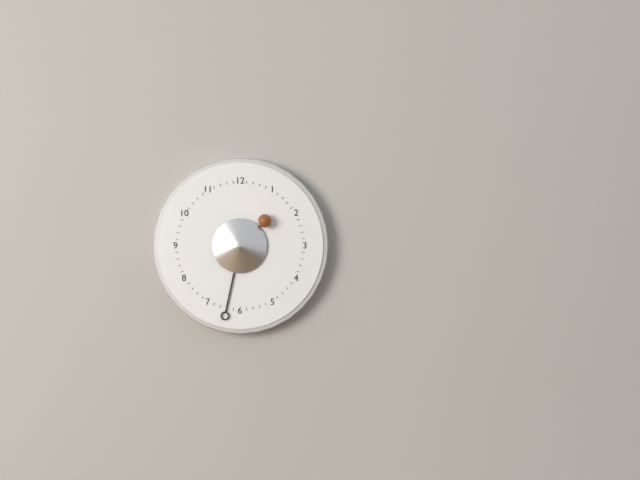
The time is 1 h 32 min
